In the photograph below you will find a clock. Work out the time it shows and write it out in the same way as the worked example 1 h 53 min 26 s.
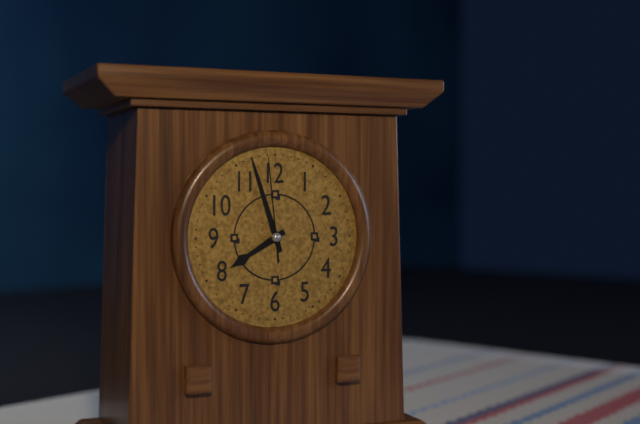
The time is 7 h 57 min 59 s
